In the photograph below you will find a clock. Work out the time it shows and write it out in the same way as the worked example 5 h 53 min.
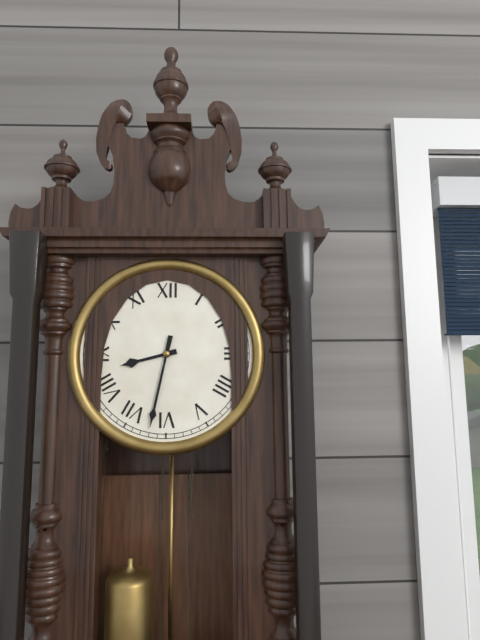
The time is 8 h 32 min
